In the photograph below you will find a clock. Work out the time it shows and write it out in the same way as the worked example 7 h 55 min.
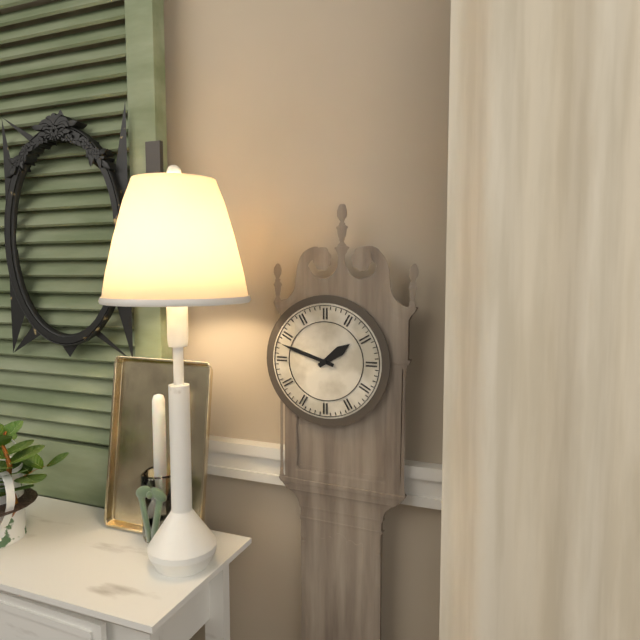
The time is 1 h 48 min
